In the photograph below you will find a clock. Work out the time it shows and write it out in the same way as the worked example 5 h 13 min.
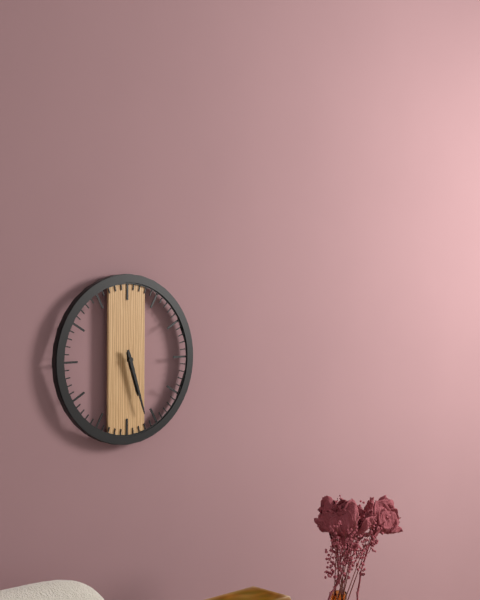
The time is 5 h 27 min
